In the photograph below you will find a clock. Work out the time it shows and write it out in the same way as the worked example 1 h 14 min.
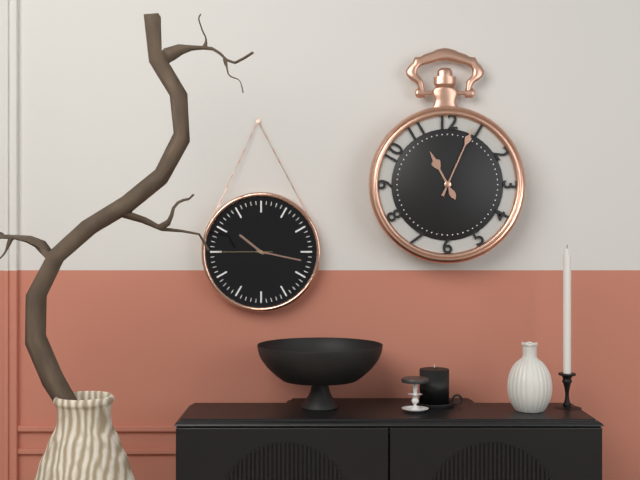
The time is 11 h 04 min
